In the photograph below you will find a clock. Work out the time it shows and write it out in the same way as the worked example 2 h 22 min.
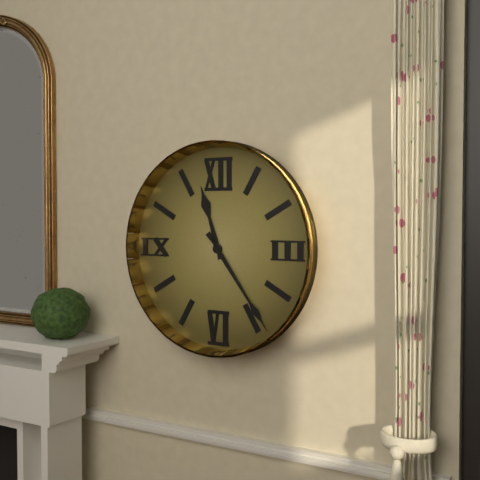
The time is 11 h 24 min
